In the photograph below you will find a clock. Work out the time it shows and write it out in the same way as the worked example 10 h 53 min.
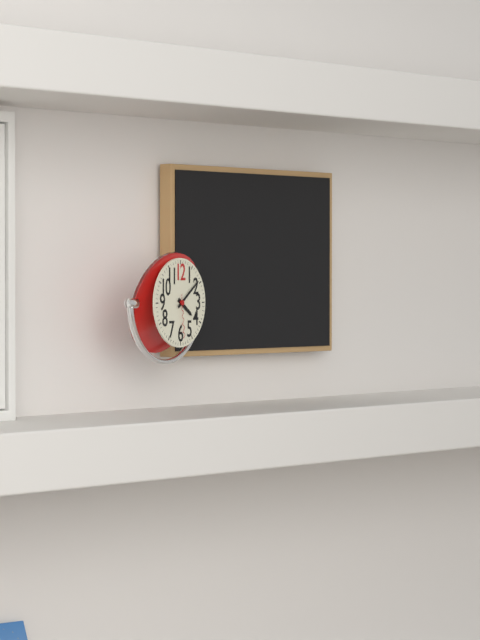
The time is 4 h 09 min
